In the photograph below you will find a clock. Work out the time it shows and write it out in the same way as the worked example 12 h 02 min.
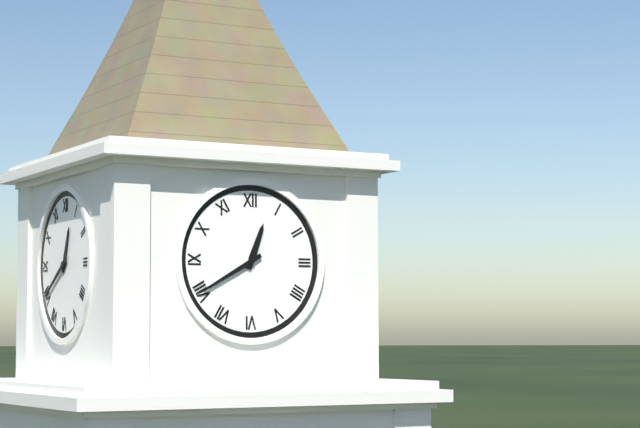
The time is 12 h 40 min
